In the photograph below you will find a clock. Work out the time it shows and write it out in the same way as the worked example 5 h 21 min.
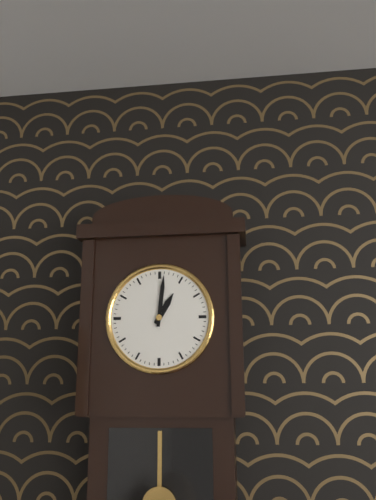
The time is 1 h 01 min
